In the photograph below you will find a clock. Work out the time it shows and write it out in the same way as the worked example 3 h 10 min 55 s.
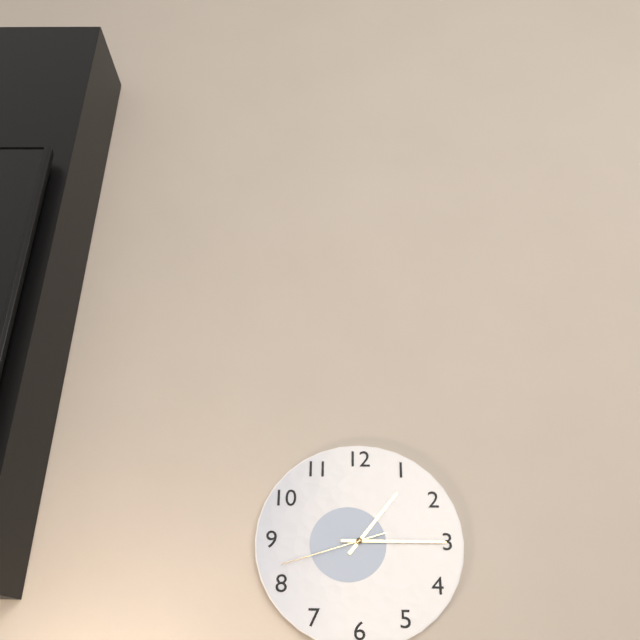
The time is 1 h 15 min 42 s
